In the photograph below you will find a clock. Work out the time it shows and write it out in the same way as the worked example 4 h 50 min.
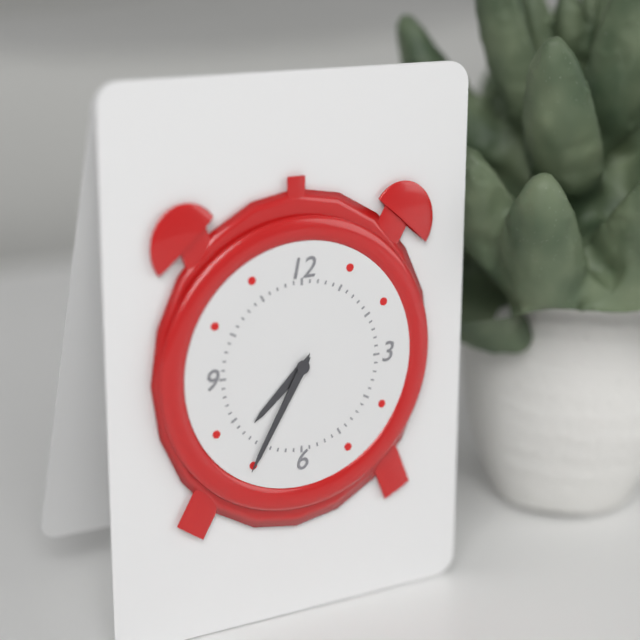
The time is 7 h 35 min
